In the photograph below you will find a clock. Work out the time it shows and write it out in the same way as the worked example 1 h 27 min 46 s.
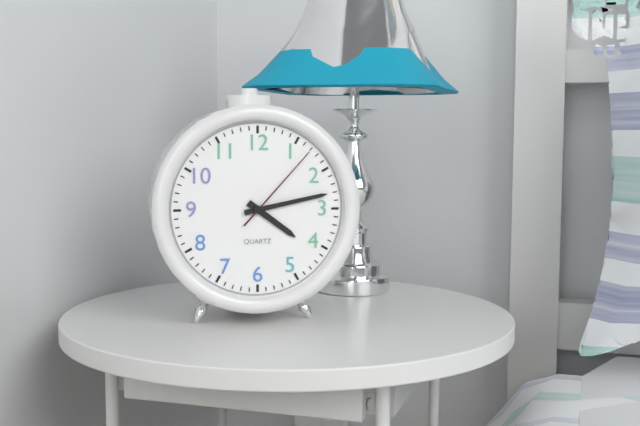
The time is 4 h 13 min 07 s
